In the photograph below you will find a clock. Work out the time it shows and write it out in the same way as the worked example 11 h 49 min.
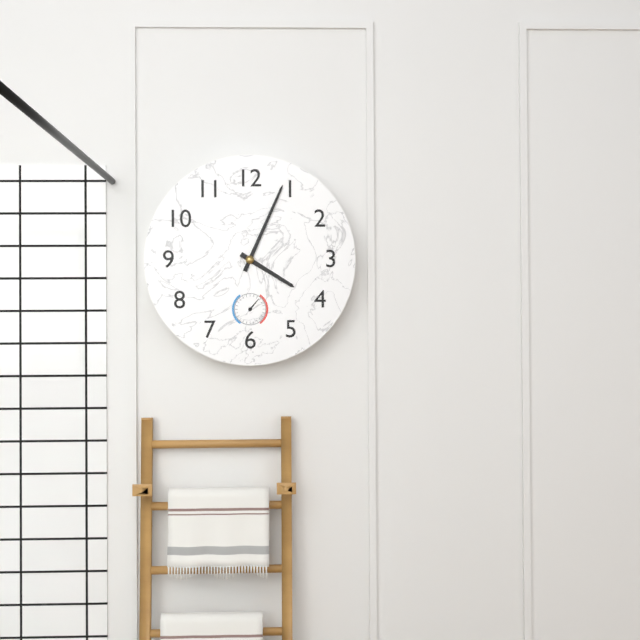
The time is 4 h 04 min
